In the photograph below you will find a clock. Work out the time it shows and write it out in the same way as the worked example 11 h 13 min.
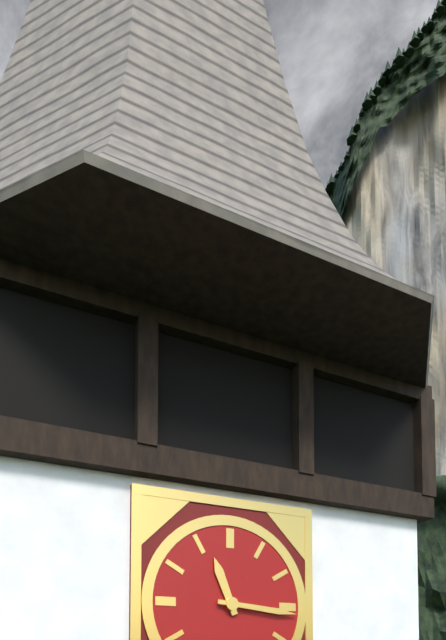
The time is 11 h 16 min
